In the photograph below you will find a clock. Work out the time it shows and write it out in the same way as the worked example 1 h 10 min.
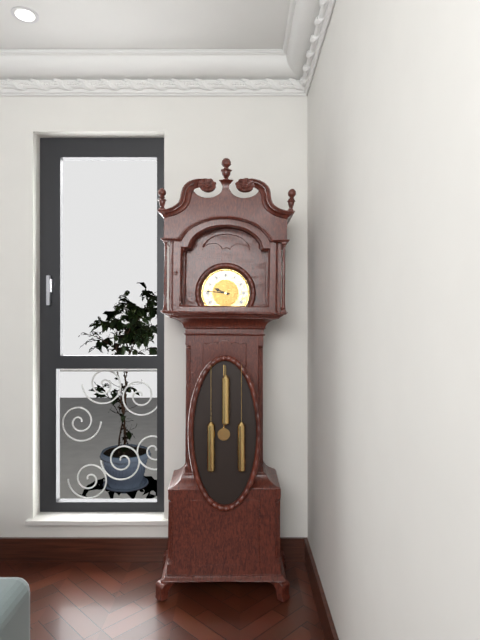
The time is 9 h 46 min
